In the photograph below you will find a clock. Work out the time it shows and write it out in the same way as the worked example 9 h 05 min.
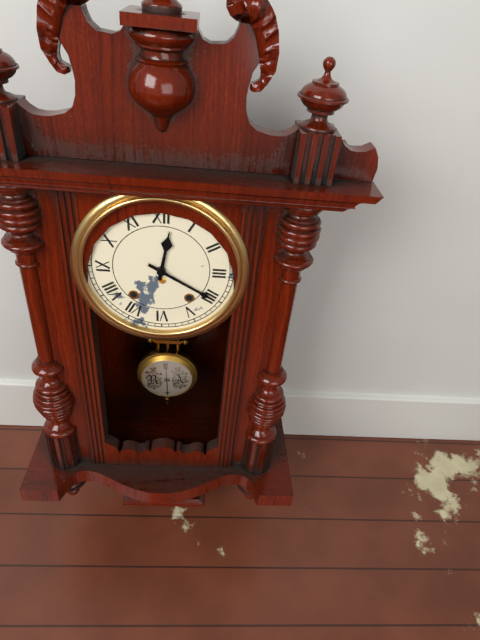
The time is 12 h 20 min
